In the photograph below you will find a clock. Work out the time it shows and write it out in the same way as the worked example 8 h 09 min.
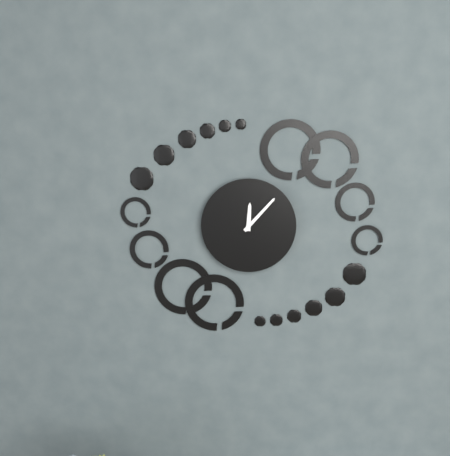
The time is 12 h 07 min
